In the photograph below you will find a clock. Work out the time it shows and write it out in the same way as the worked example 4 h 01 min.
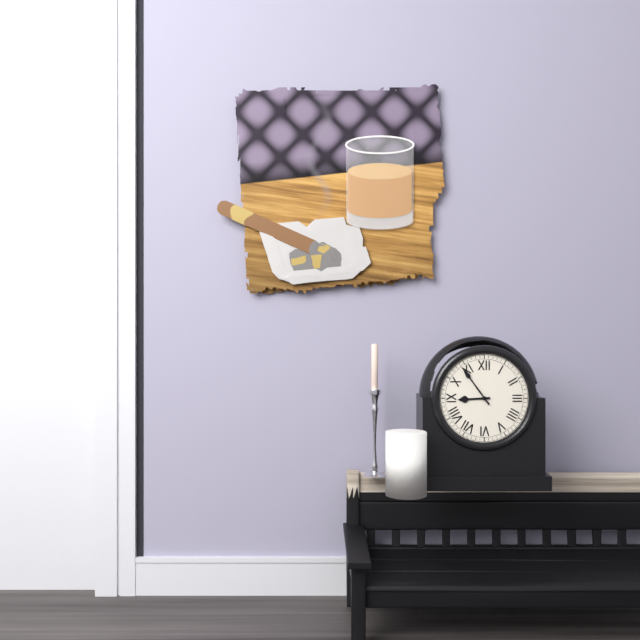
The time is 8 h 54 min
